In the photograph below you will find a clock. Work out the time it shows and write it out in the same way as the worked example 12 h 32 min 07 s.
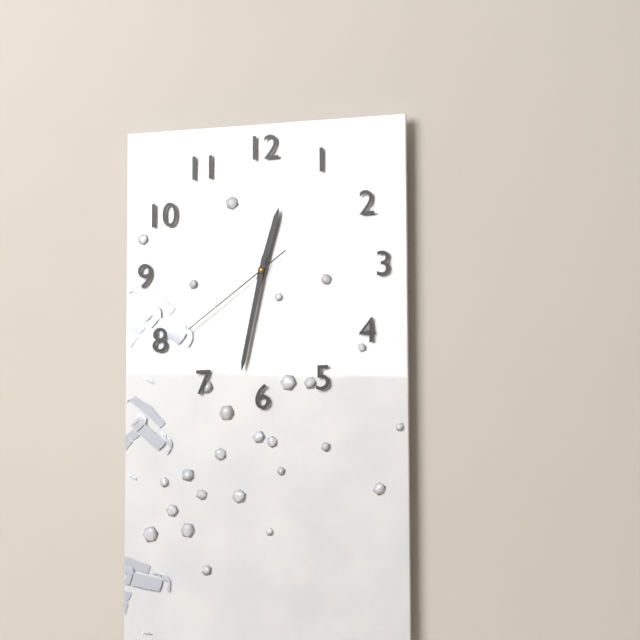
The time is 12 h 32 min 39 s
